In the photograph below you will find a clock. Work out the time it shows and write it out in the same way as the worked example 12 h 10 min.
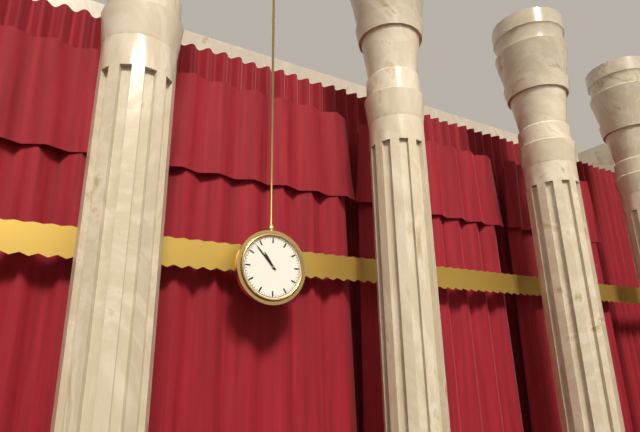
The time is 10 h 53 min
